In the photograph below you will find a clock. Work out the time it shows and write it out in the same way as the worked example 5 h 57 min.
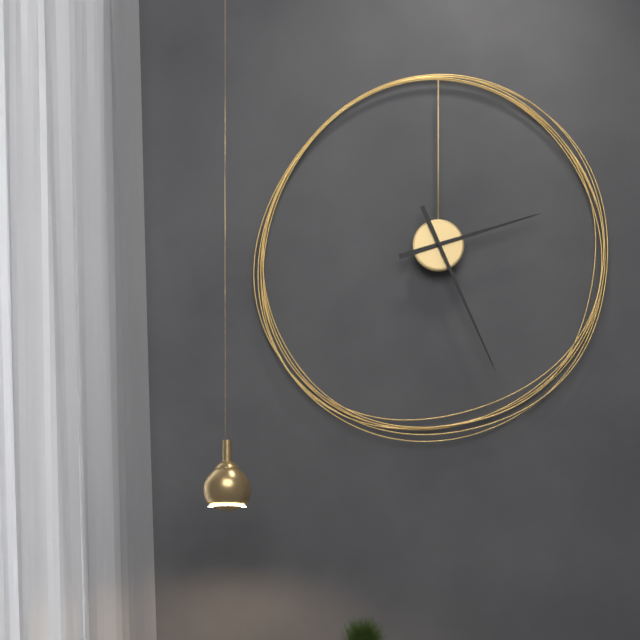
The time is 2 h 26 min
